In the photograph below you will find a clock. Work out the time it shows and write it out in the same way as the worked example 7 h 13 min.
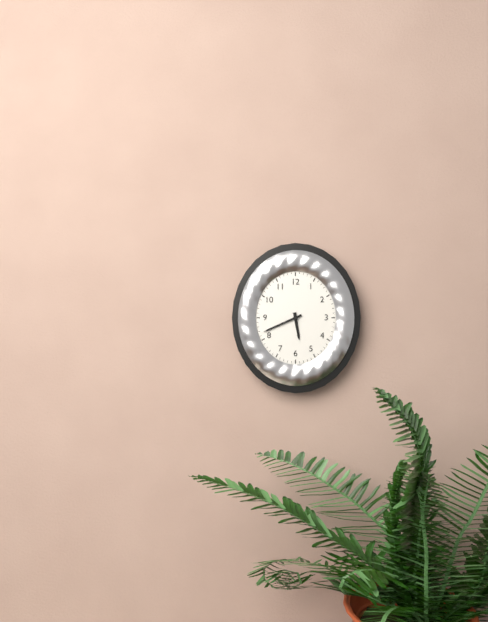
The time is 5 h 41 min
